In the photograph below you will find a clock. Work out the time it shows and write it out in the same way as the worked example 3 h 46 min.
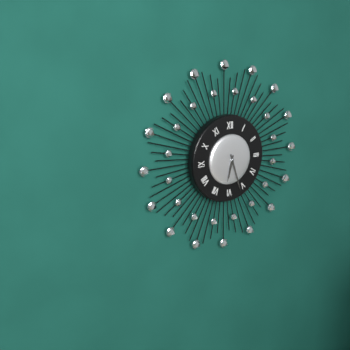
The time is 6 h 27 min
